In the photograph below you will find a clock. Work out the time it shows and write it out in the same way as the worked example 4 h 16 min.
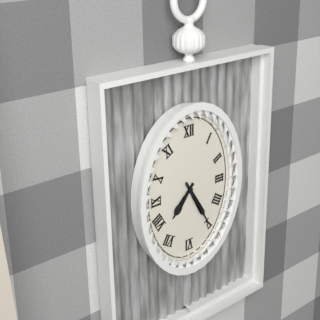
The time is 7 h 25 min
